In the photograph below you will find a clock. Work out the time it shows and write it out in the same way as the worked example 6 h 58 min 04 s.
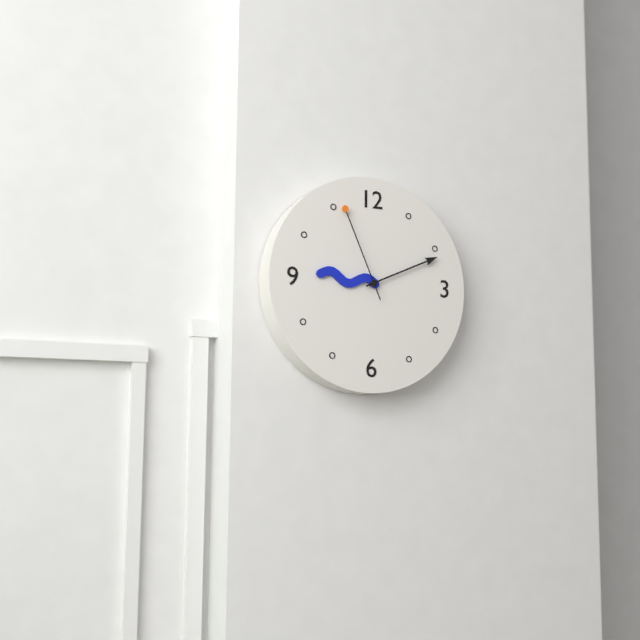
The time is 9 h 11 min 56 s
